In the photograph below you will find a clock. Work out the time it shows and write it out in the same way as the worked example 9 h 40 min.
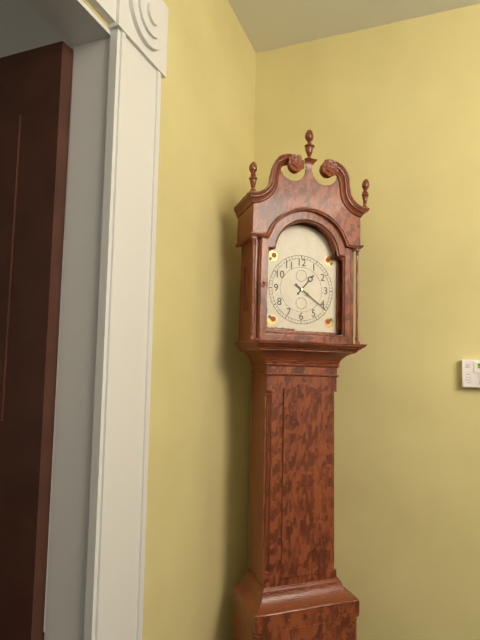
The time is 1 h 21 min
